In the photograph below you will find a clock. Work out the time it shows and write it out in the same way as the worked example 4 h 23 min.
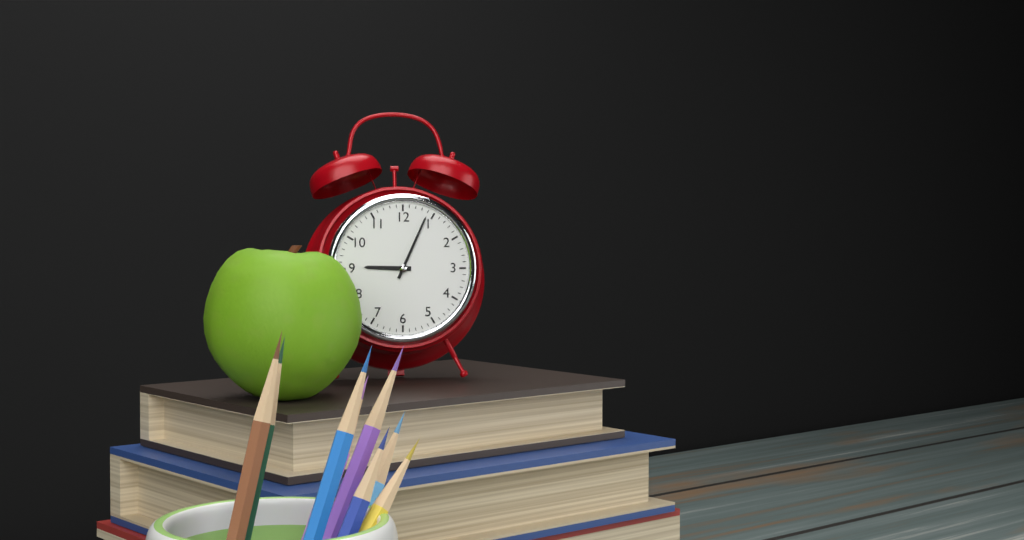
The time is 9 h 04 min
